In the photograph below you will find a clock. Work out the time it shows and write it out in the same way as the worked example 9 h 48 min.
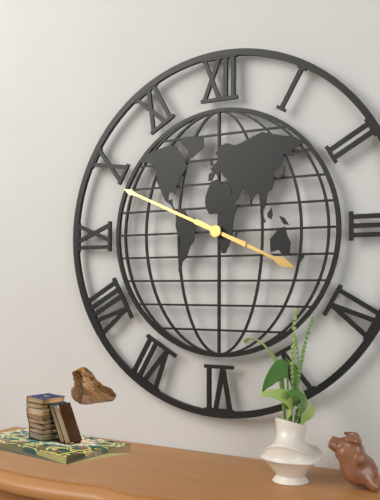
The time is 3 h 49 min
